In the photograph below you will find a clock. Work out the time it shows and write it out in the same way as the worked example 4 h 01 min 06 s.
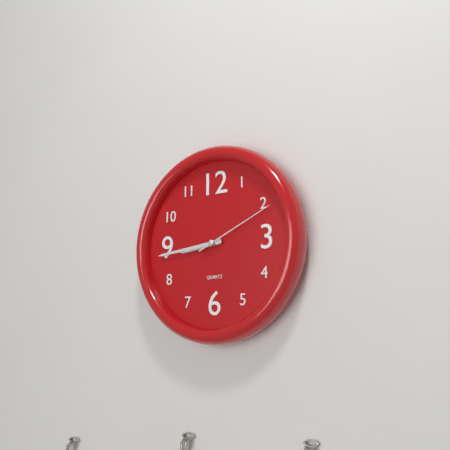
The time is 8 h 44 min 11 s
